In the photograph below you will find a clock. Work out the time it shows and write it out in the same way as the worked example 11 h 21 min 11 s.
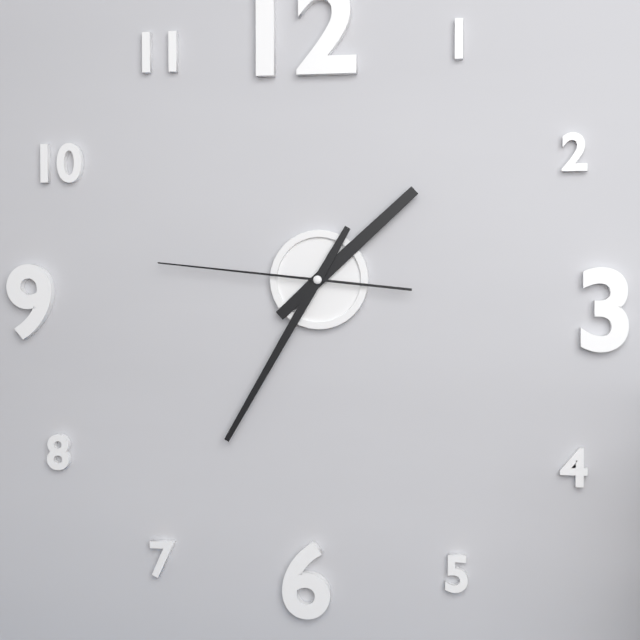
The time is 1 h 35 min 46 s
